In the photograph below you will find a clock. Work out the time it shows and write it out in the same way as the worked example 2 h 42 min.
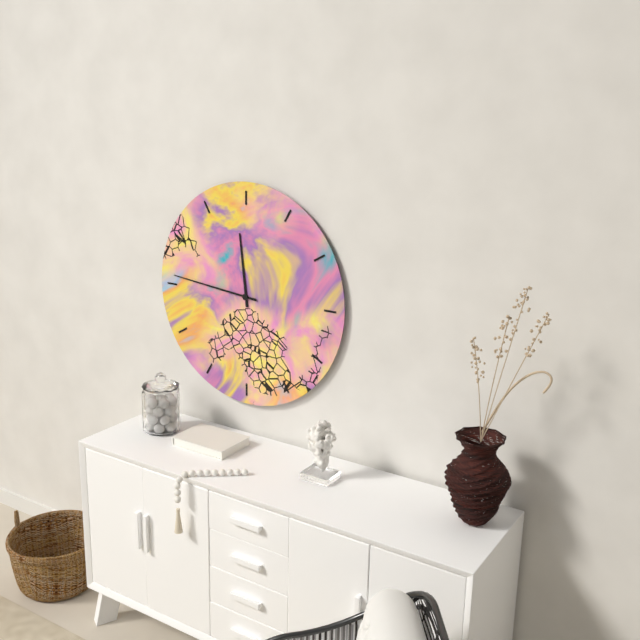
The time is 11 h 46 min
